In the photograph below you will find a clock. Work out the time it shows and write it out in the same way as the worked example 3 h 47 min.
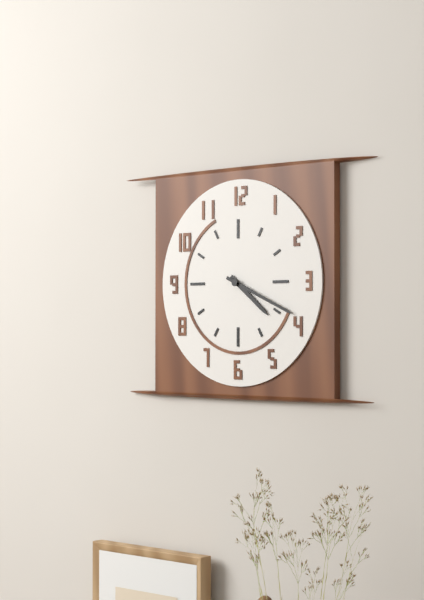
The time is 4 h 19 min
